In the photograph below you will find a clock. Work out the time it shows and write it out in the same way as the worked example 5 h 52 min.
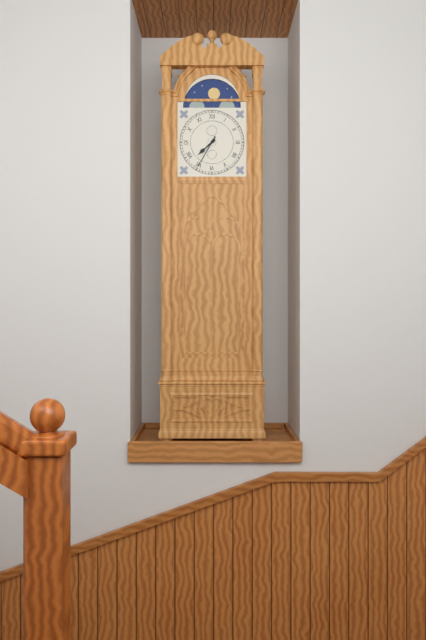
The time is 7 h 35 min
